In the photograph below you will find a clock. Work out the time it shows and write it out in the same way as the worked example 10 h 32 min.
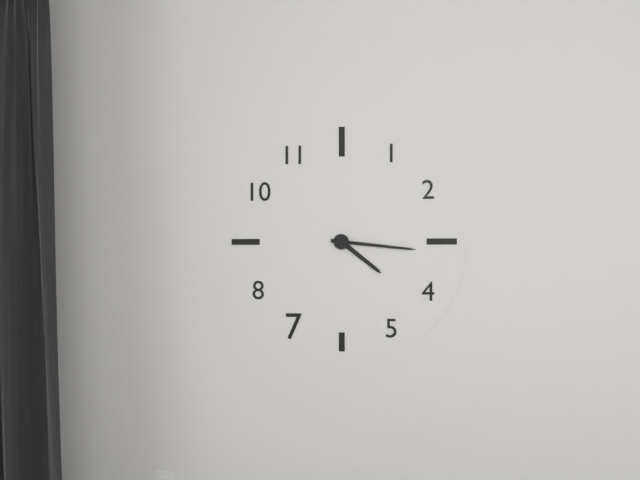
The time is 4 h 16 min
